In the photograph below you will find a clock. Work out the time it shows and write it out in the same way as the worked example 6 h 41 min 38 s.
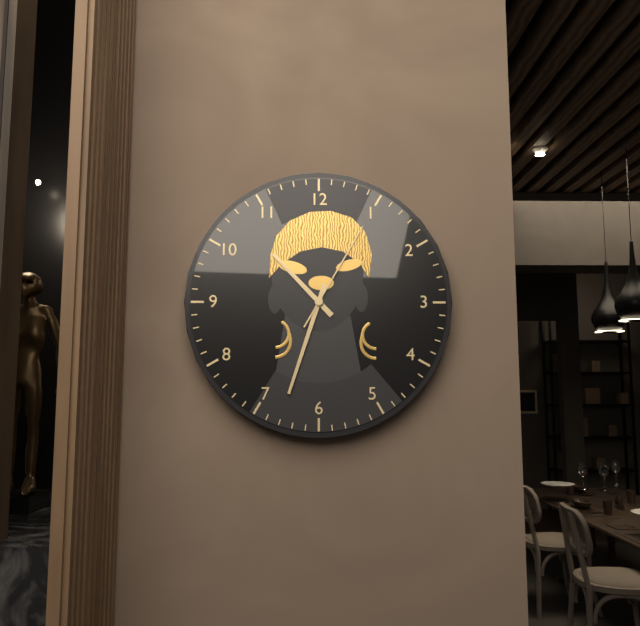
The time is 10 h 33 min 05 s
